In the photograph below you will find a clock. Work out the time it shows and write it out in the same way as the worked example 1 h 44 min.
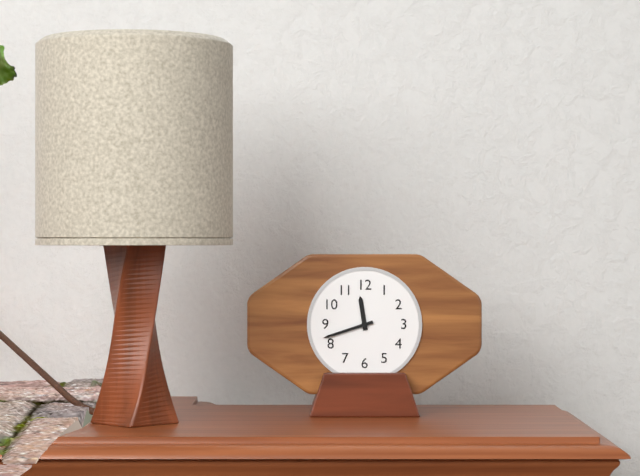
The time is 11 h 42 min
